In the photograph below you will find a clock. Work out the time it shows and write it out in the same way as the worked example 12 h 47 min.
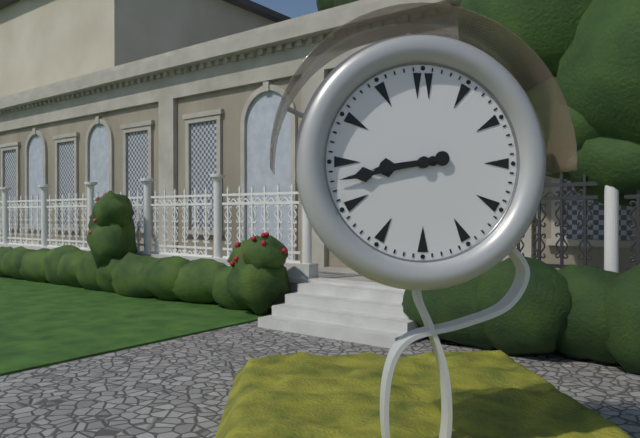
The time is 8 h 43 min
